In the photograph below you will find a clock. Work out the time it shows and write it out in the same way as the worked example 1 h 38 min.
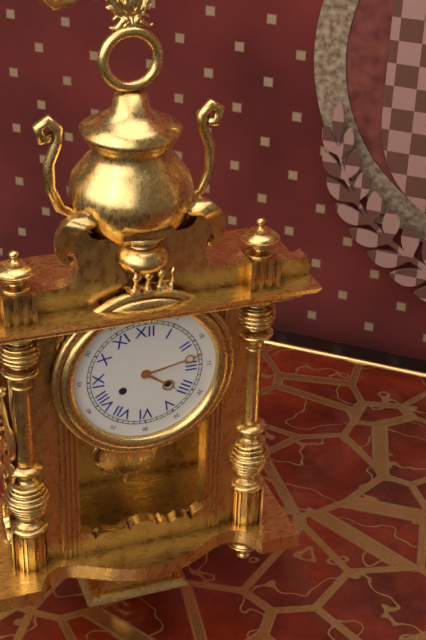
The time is 4 h 13 min
